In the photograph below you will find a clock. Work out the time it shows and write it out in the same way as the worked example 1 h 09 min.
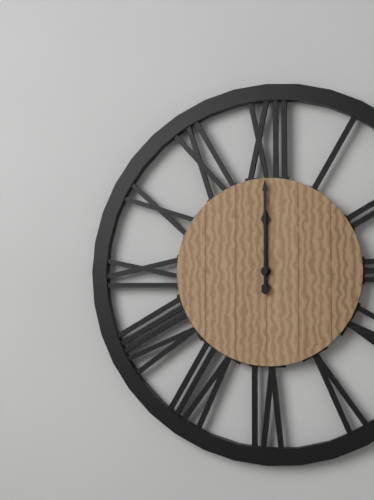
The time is 12 h 00 min
